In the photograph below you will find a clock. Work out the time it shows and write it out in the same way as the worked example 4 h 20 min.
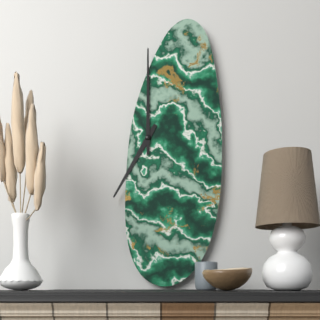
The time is 7 h 00 min
